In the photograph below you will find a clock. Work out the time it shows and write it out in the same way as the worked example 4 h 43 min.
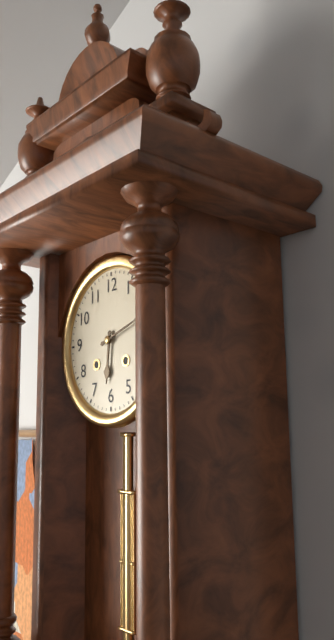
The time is 6 h 12 min
